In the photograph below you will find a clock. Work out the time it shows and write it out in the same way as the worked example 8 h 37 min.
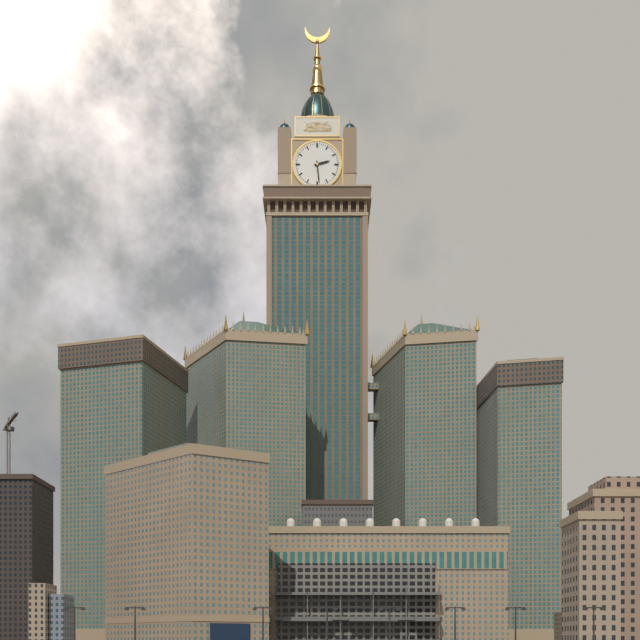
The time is 2 h 29 min
